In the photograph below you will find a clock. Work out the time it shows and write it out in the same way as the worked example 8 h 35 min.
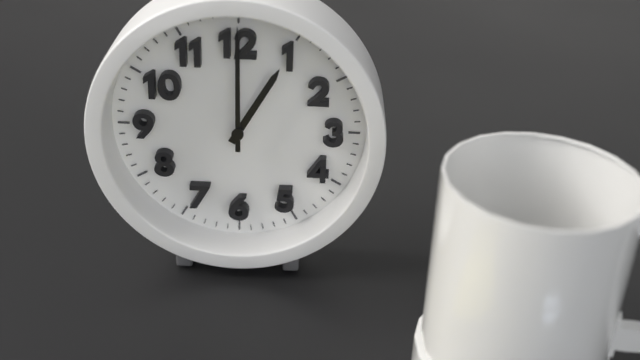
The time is 1 h 00 min
